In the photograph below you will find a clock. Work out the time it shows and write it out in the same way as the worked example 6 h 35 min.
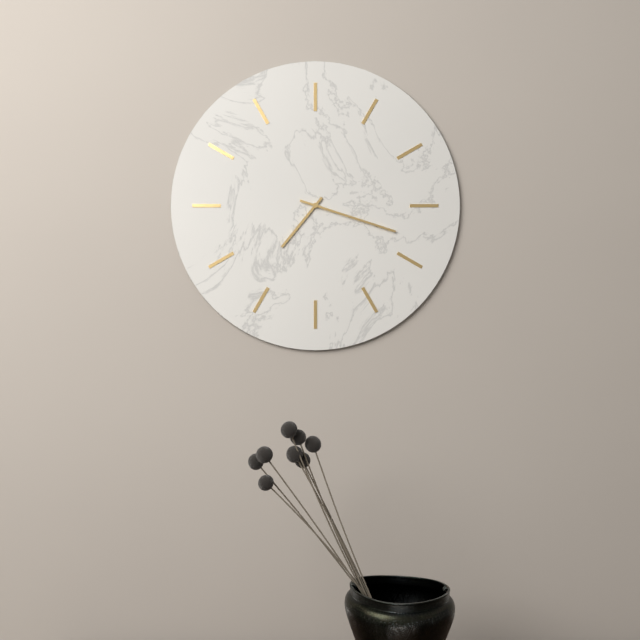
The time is 7 h 18 min
